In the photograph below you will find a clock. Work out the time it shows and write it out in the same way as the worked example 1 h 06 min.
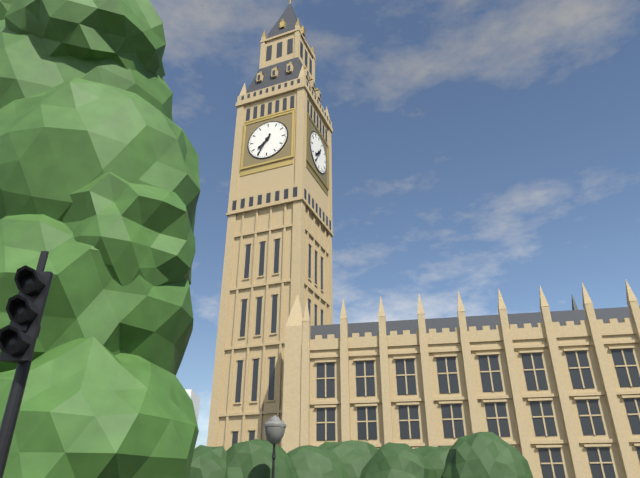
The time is 7 h 35 min
